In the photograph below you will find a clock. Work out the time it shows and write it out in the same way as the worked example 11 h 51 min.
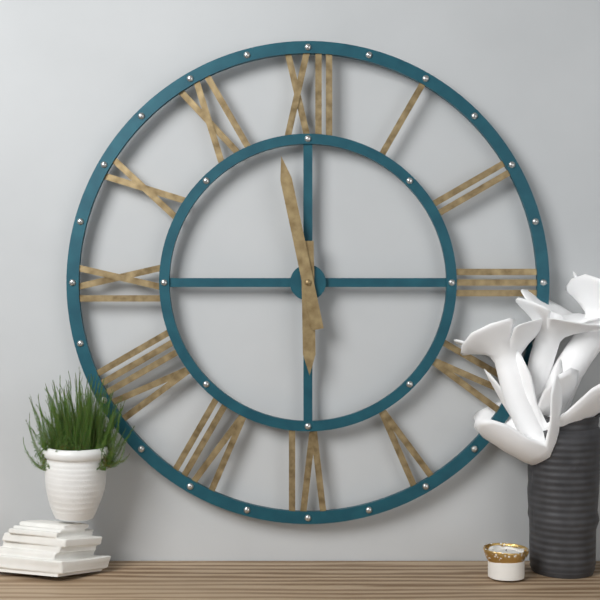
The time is 5 h 58 min
